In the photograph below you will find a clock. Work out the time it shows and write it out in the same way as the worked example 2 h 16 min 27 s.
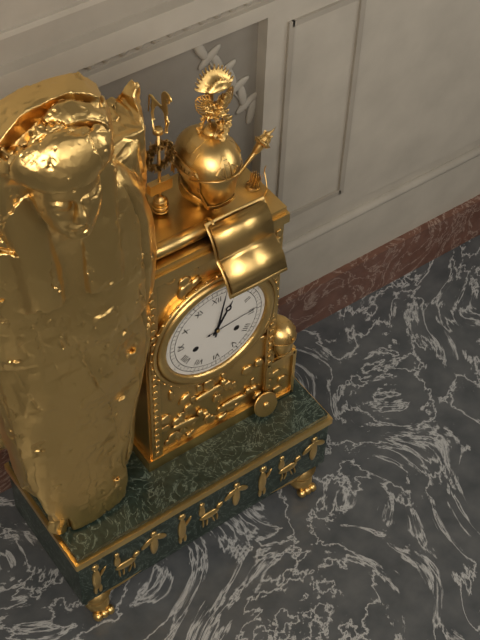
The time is 1 h 02 min 14 s
